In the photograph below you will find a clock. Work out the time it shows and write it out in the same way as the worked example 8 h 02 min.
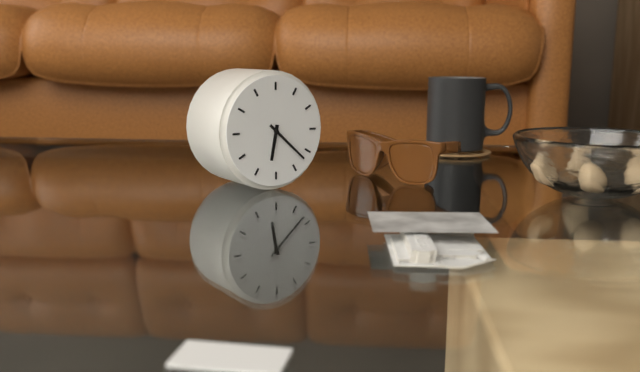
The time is 6 h 22 min
